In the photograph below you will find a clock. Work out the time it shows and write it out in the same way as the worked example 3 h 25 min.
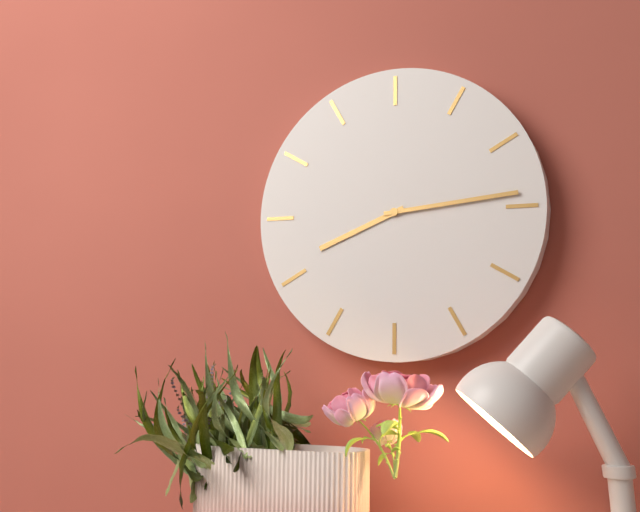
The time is 8 h 14 min
